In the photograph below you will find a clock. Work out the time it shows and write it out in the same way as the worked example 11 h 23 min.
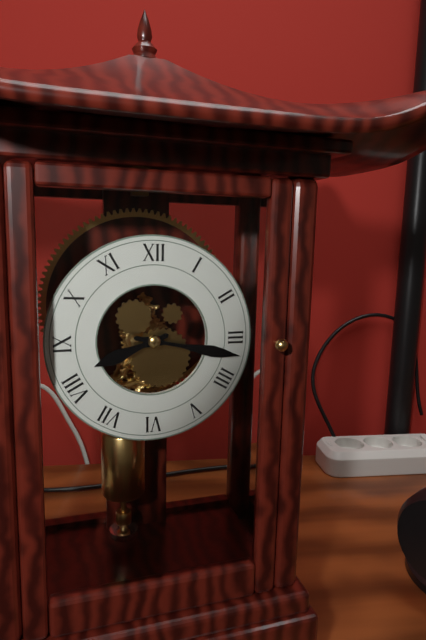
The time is 8 h 17 min
